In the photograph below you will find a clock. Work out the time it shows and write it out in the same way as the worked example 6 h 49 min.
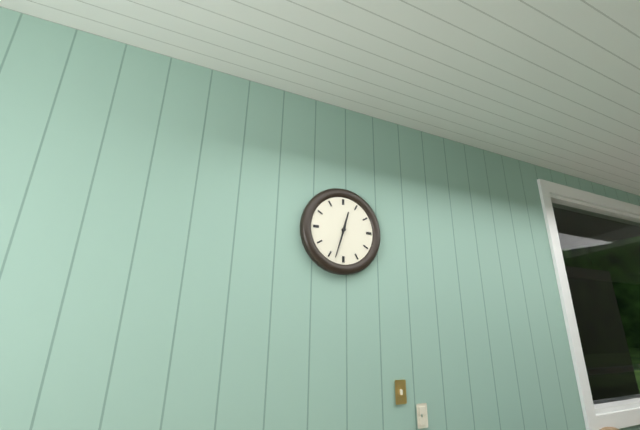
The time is 12 h 33 min
